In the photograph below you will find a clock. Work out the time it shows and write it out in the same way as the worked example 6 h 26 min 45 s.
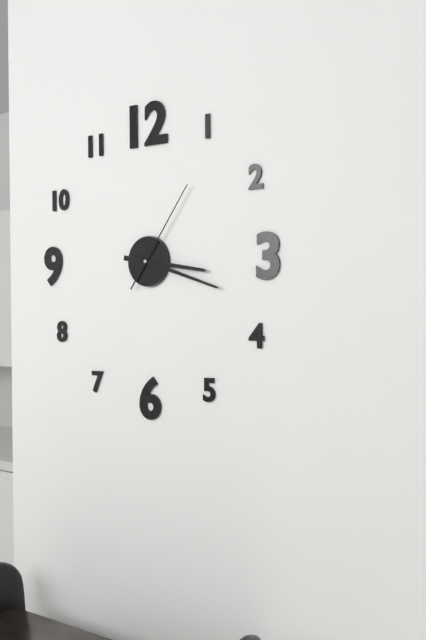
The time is 3 h 18 min 06 s
